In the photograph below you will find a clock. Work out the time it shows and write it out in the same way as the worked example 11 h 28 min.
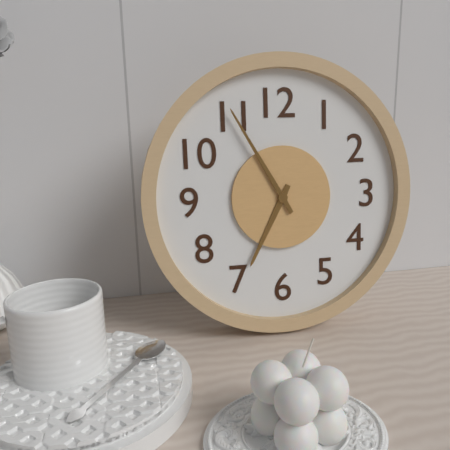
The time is 6 h 55 min
